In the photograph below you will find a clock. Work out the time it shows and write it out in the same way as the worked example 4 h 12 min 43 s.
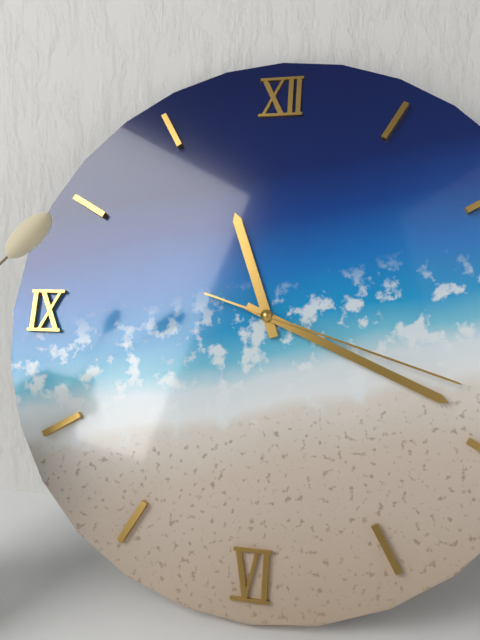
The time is 11 h 19 min 18 s
